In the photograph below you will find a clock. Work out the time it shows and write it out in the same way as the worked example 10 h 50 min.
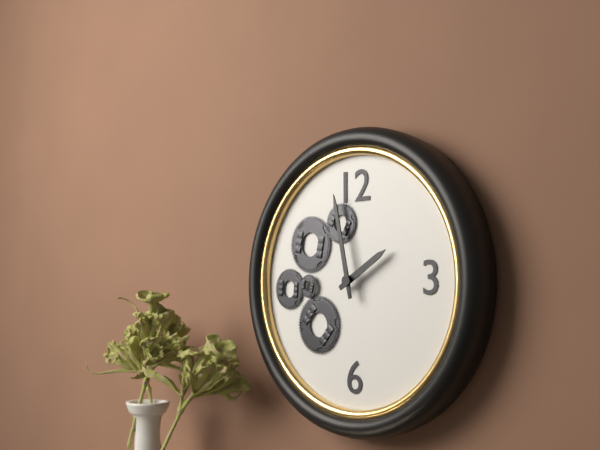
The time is 1 h 58 min
